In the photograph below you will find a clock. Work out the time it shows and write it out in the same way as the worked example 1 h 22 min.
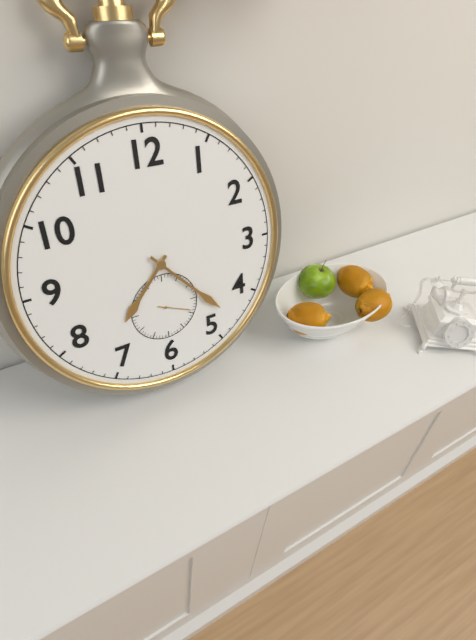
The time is 7 h 23 min
